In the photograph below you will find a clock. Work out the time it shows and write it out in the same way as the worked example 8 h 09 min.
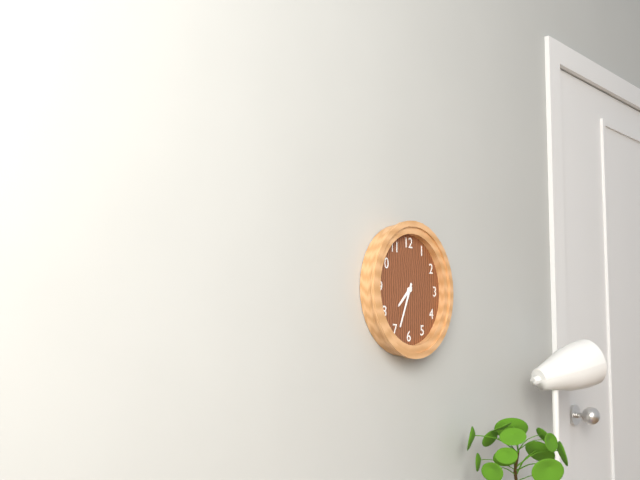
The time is 7 h 34 min
